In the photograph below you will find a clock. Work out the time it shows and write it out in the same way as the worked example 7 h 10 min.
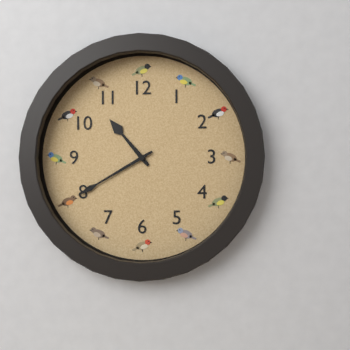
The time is 10 h 40 min
